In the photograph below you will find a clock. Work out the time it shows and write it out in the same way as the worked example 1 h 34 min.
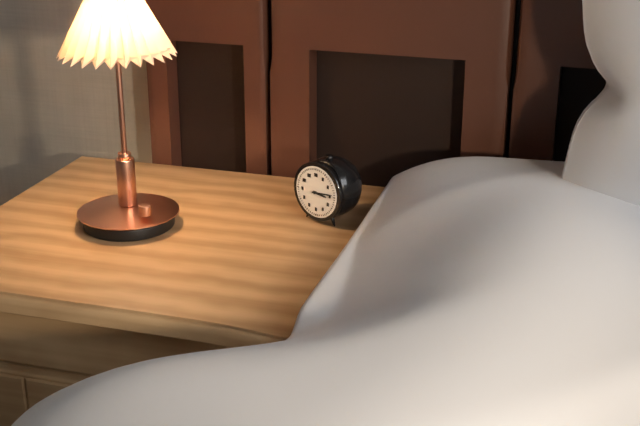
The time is 3 h 14 min
